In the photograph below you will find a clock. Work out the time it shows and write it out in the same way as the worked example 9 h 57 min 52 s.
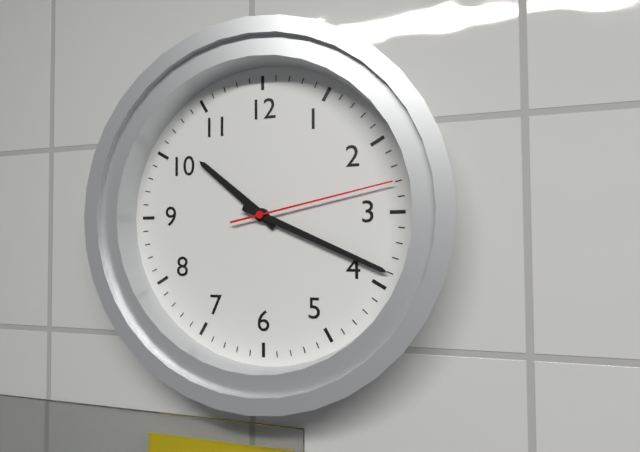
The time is 10 h 19 min 13 s
